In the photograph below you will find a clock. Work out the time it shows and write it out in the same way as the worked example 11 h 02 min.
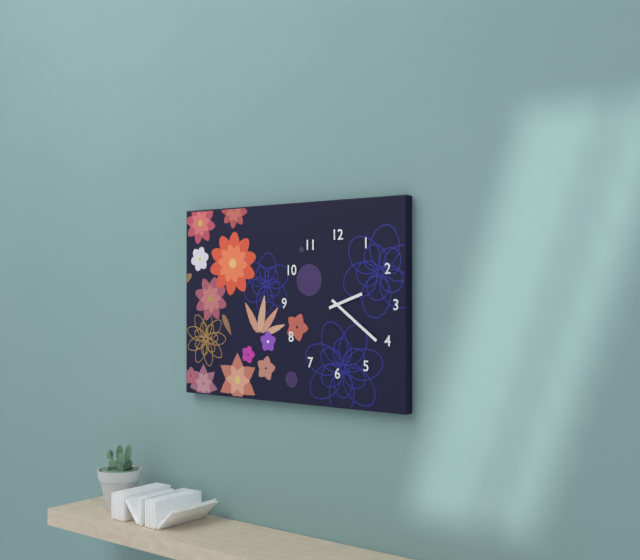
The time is 2 h 21 min
